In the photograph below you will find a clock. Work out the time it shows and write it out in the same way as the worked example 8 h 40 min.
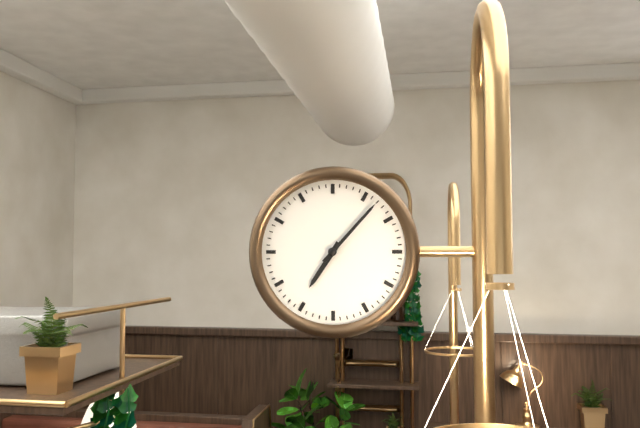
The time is 7 h 07 min
